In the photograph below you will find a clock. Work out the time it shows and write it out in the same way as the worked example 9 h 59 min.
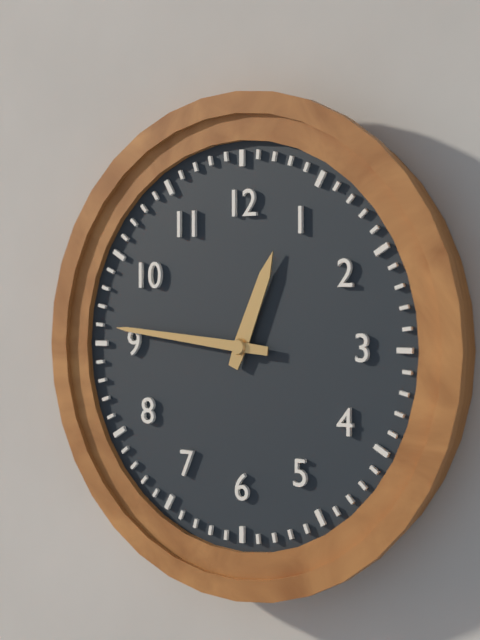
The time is 12 h 46 min
